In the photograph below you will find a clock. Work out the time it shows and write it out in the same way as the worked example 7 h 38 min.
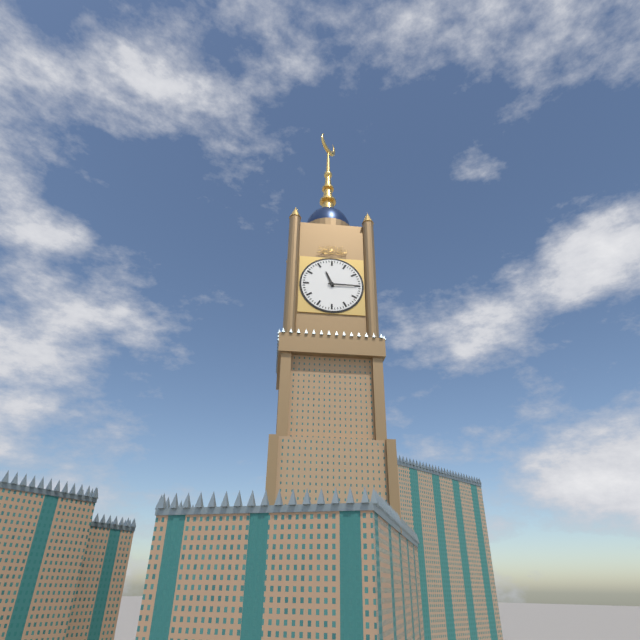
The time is 11 h 15 min
